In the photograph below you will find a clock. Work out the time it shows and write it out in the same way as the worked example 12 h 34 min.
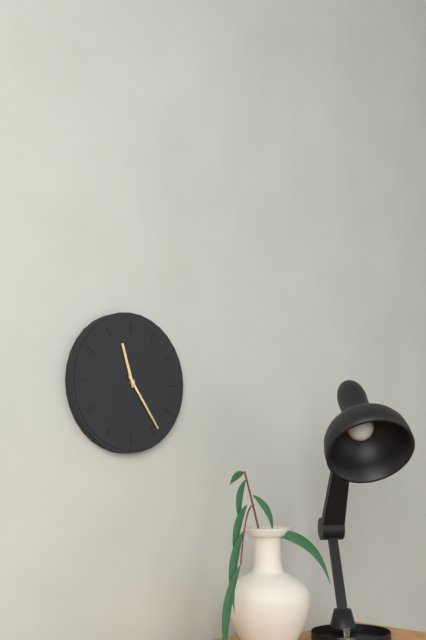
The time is 11 h 24 min
